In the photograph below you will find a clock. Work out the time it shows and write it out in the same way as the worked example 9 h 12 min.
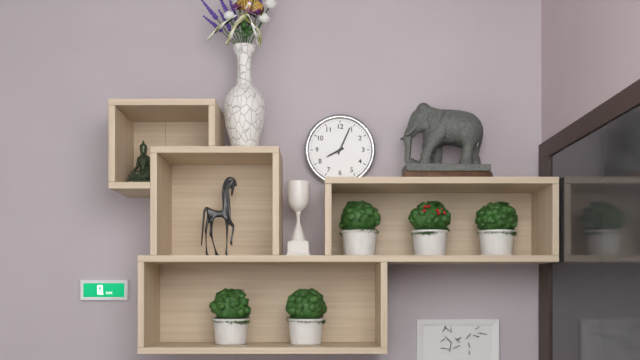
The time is 8 h 04 min
